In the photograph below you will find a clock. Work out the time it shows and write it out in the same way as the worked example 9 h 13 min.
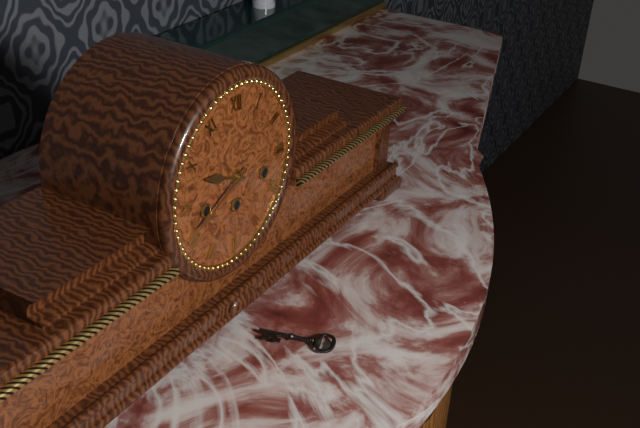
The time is 9 h 41 min
